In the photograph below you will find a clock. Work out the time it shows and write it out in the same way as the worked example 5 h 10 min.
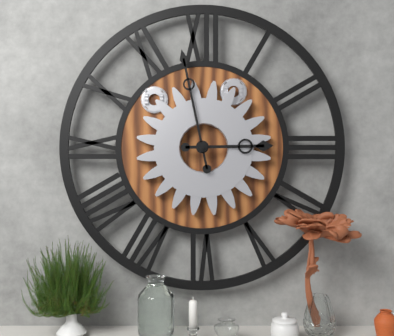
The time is 2 h 58 min
